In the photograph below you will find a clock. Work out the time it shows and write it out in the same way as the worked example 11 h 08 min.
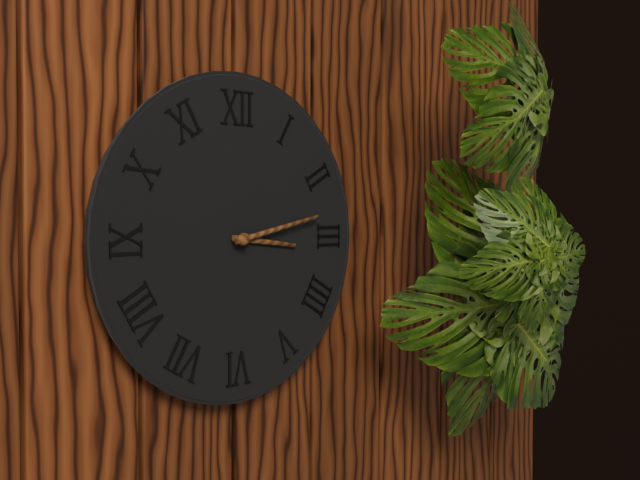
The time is 3 h 13 min
